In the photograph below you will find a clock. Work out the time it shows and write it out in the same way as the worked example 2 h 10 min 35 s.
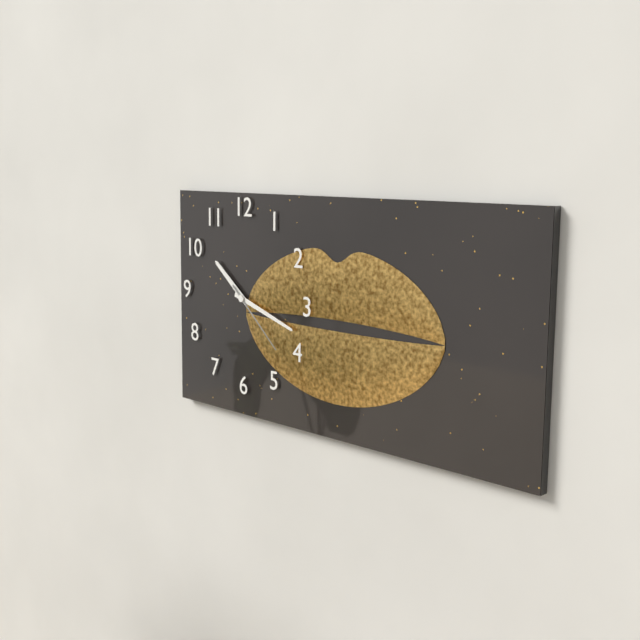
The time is 10 h 18 min 22 s
